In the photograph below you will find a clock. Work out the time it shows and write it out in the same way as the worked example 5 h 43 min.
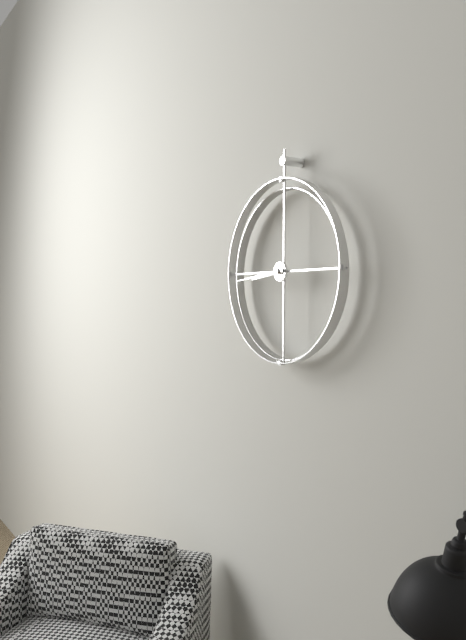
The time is 8 h 44 min
